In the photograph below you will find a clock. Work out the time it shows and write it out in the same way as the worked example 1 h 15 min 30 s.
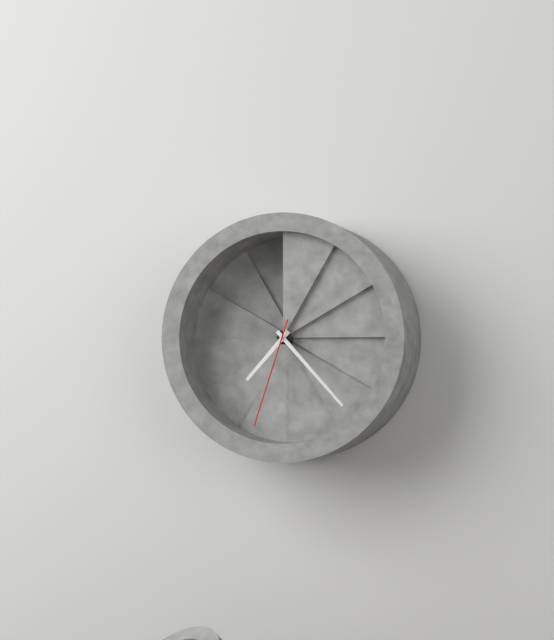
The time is 7 h 23 min 33 s
